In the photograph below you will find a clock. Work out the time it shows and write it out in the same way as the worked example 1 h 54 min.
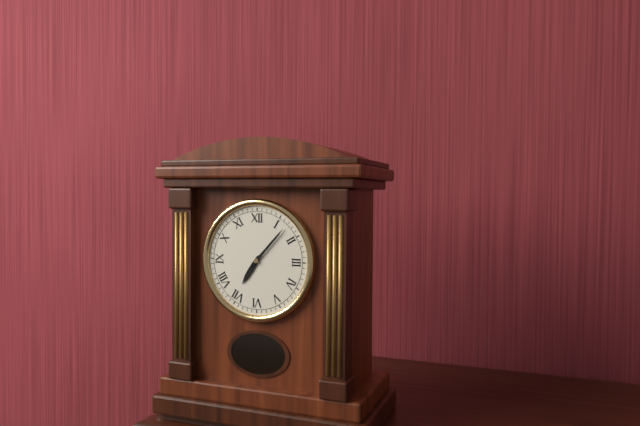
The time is 7 h 07 min
